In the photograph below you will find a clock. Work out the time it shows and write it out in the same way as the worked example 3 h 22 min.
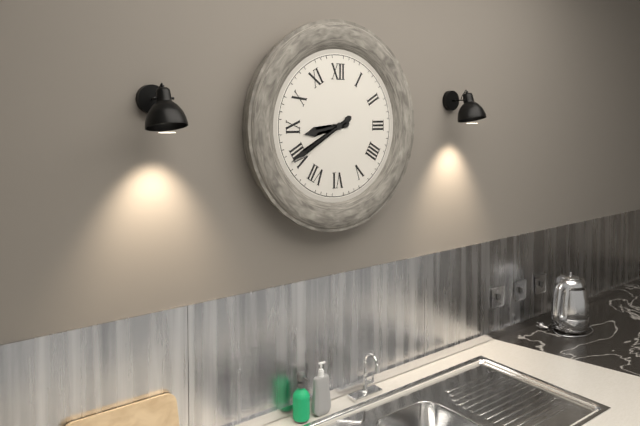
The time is 8 h 40 min
